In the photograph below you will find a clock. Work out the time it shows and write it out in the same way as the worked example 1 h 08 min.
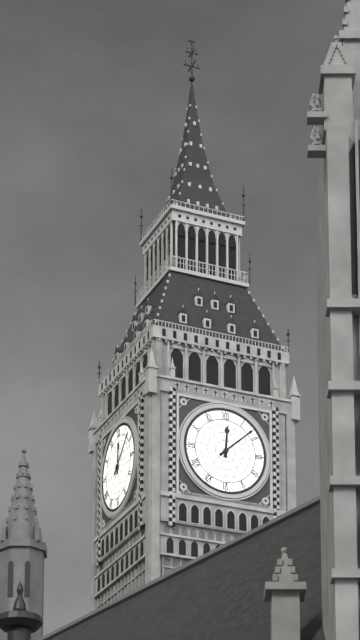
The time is 12 h 08 min
